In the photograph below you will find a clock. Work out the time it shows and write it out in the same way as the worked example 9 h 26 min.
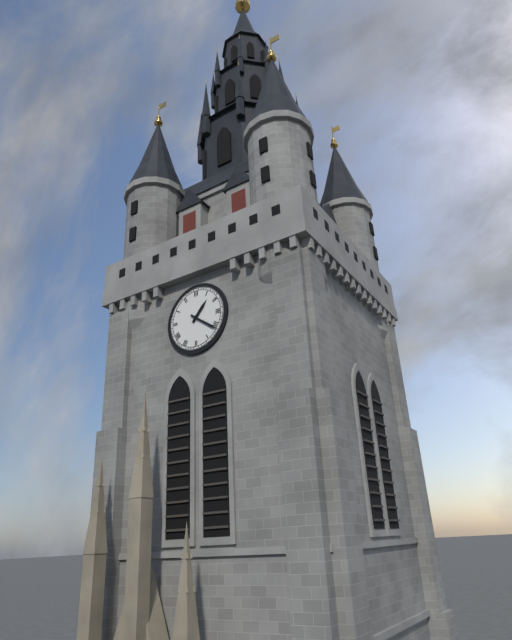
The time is 1 h 21 min
